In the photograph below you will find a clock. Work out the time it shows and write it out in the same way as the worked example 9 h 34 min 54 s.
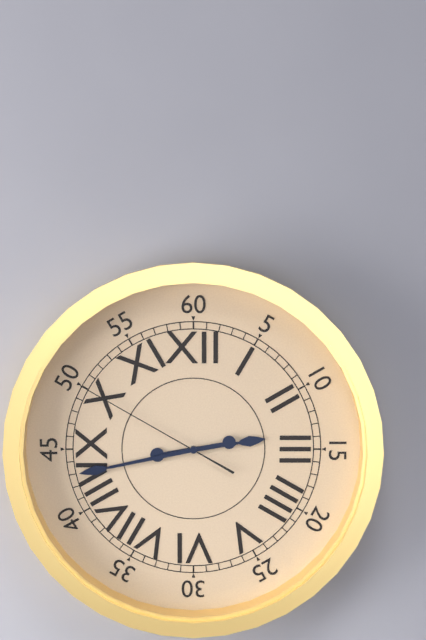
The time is 2 h 43 min 50 s
